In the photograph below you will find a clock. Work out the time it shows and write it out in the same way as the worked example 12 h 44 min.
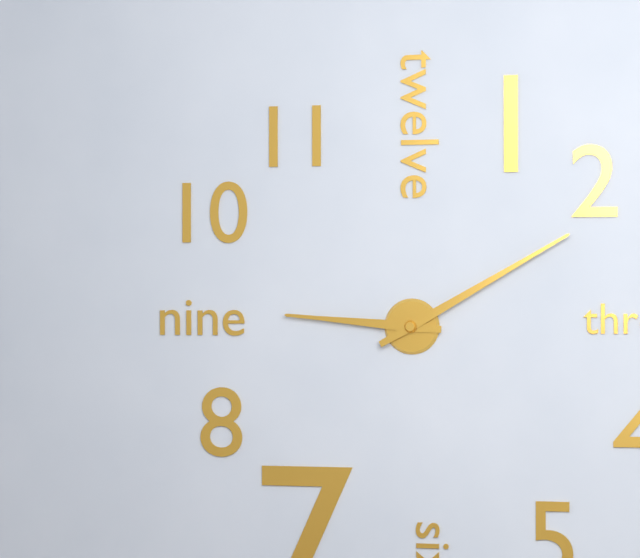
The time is 9 h 10 min
